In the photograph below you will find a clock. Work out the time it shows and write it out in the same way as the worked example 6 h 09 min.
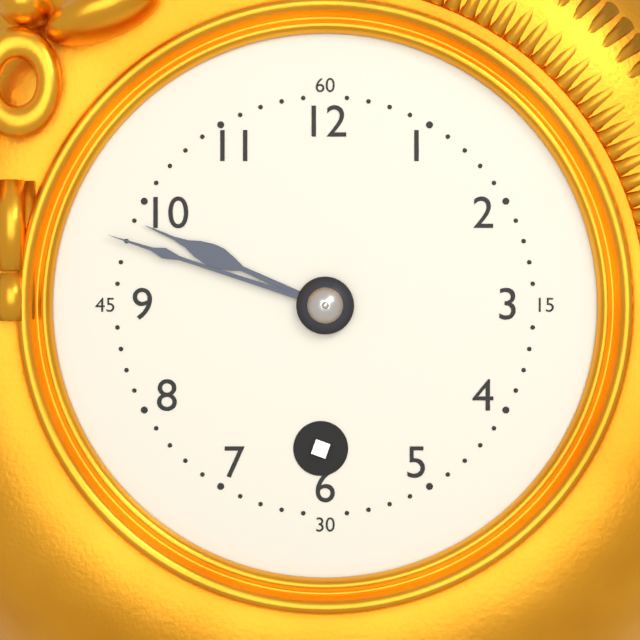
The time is 9 h 48 min
